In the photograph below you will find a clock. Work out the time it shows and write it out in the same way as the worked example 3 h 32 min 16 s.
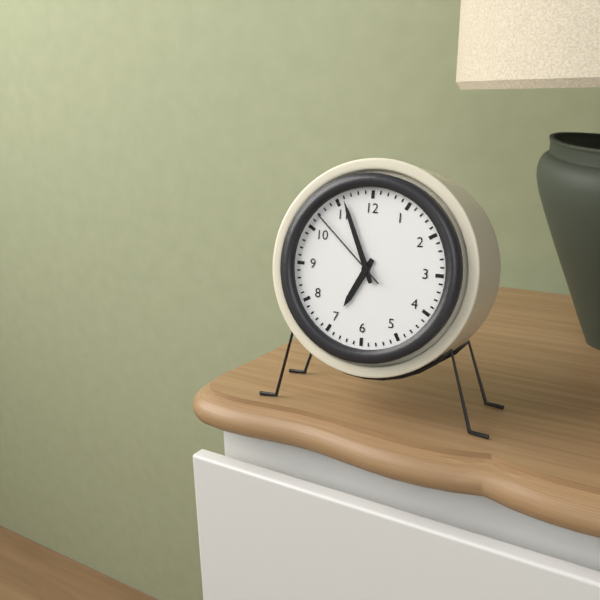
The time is 6 h 56 min 52 s
